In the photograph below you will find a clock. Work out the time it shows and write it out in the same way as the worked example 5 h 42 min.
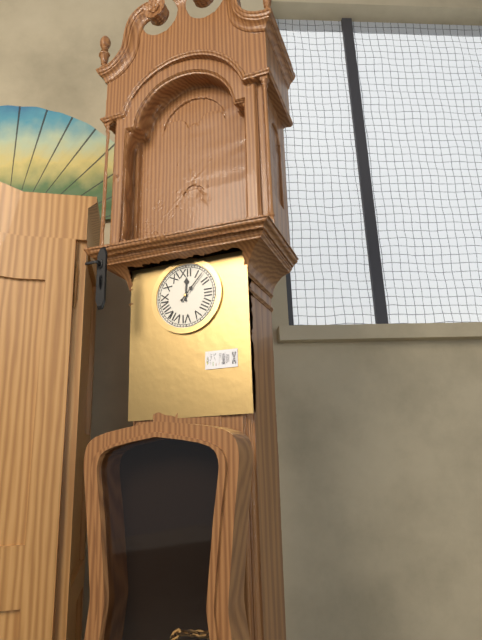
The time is 12 h 07 min
